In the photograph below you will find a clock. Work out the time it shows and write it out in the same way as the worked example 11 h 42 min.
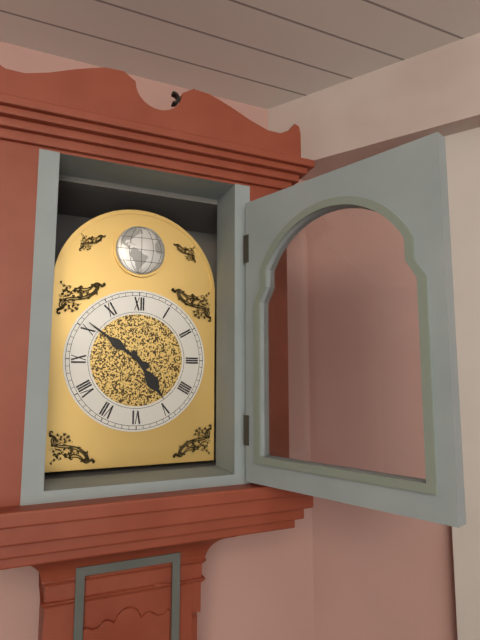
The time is 4 h 51 min
